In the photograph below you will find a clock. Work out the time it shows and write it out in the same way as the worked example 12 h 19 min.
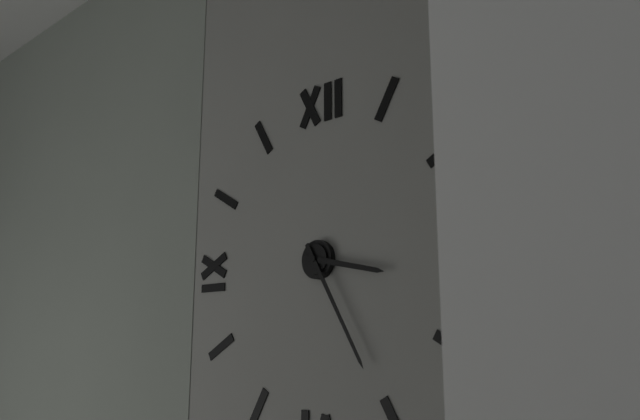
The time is 3 h 25 min
